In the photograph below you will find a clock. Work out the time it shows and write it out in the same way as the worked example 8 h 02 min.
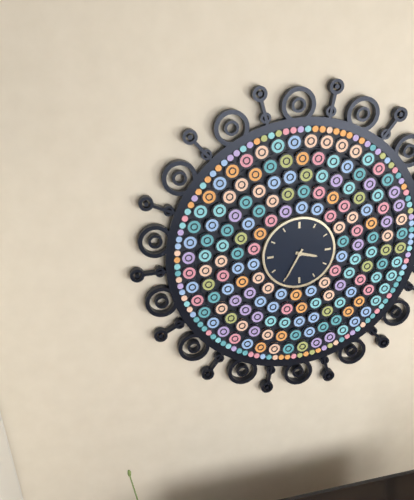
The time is 3 h 35 min
